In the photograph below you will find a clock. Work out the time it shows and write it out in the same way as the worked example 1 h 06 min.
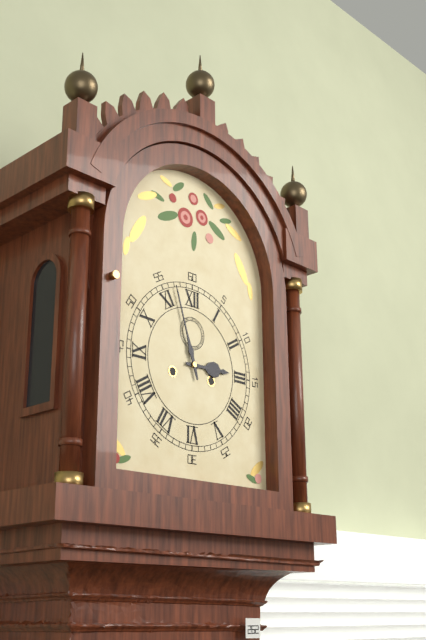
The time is 2 h 57 min
